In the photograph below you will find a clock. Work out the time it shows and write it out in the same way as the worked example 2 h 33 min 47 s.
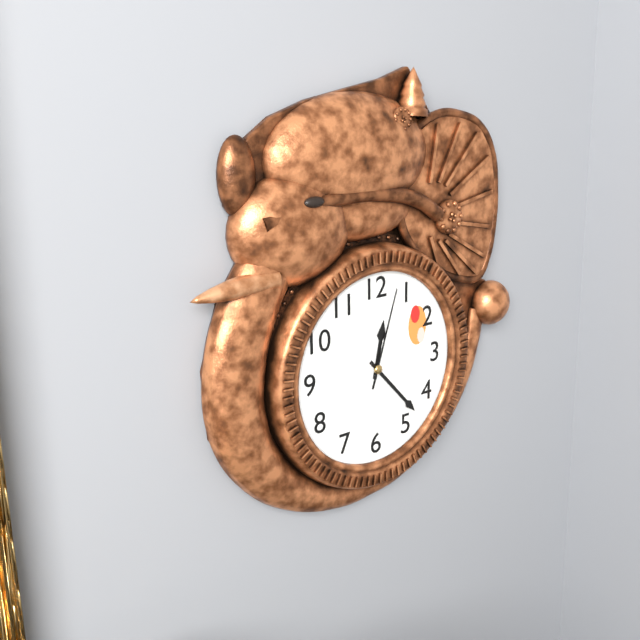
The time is 12 h 23 min 03 s
